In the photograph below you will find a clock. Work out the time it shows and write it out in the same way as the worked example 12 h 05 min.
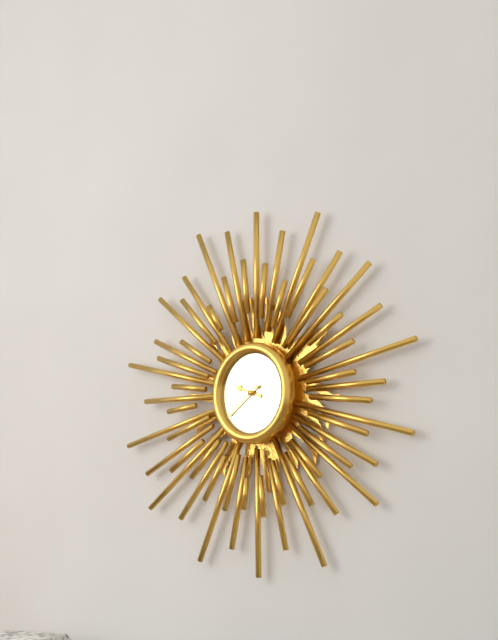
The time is 9 h 39 min
